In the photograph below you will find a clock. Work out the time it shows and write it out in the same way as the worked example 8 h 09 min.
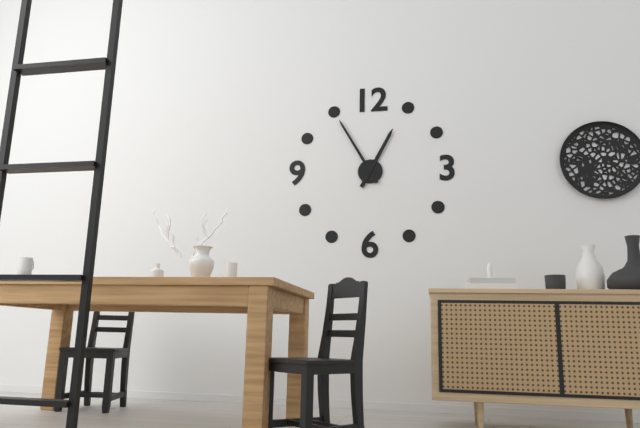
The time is 12 h 55 min
